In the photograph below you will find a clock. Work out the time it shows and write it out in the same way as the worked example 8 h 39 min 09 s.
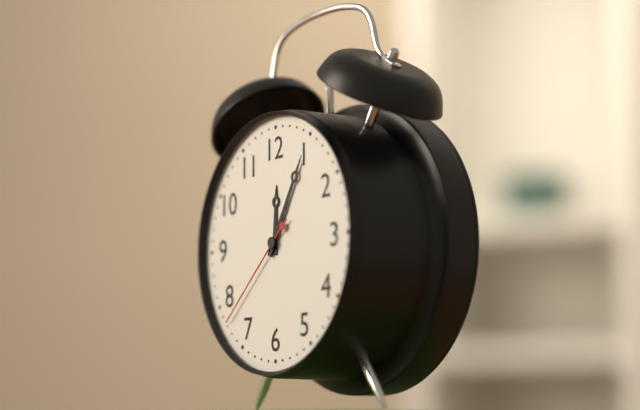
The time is 12 h 05 min 38 s
